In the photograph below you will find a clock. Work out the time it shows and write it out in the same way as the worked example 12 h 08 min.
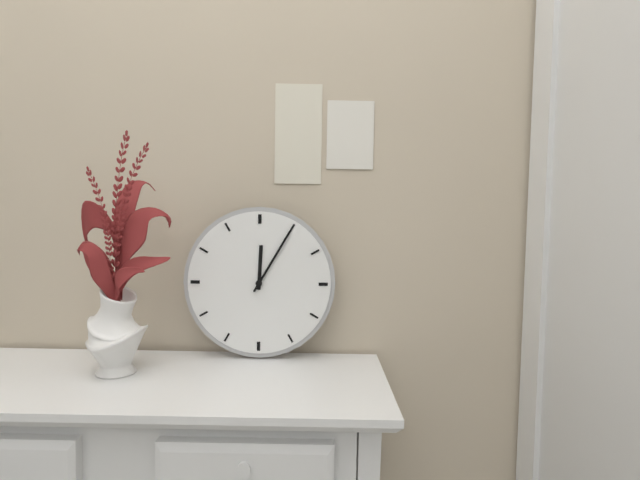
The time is 12 h 05 min
